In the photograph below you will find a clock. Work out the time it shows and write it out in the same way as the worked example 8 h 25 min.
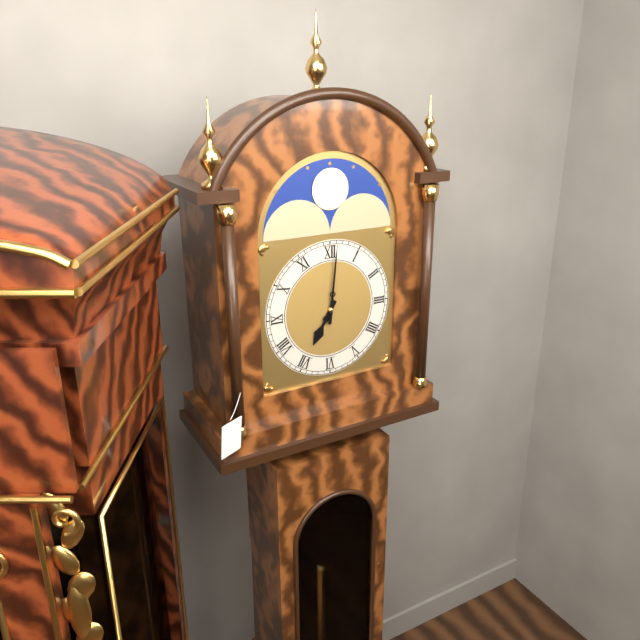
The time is 7 h 01 min
